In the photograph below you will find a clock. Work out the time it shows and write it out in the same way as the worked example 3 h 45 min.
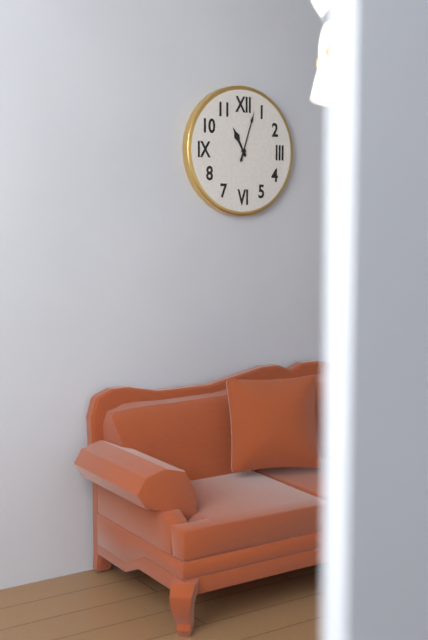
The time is 11 h 03 min
